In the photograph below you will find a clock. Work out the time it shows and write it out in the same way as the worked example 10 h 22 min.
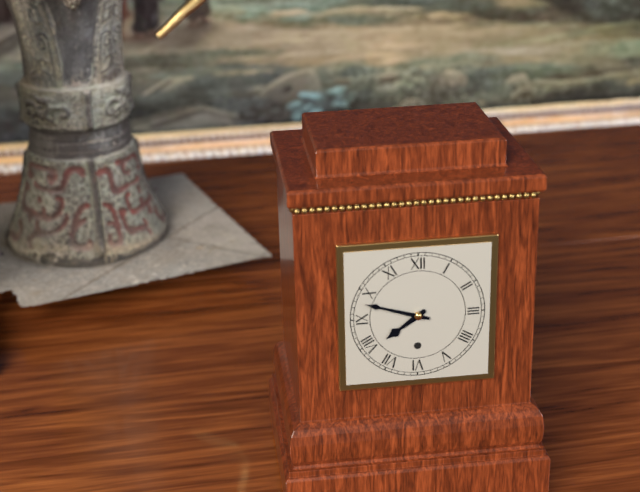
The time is 7 h 48 min
